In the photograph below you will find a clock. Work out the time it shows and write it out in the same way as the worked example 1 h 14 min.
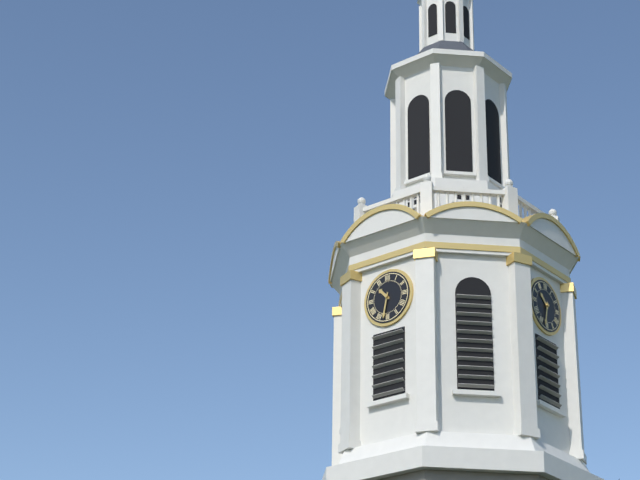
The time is 10 h 32 min
